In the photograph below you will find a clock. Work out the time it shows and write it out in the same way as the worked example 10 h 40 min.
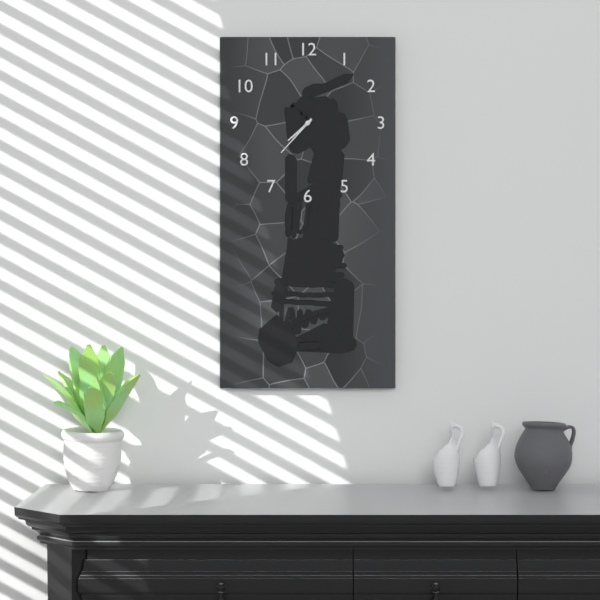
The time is 7 h 37 min
